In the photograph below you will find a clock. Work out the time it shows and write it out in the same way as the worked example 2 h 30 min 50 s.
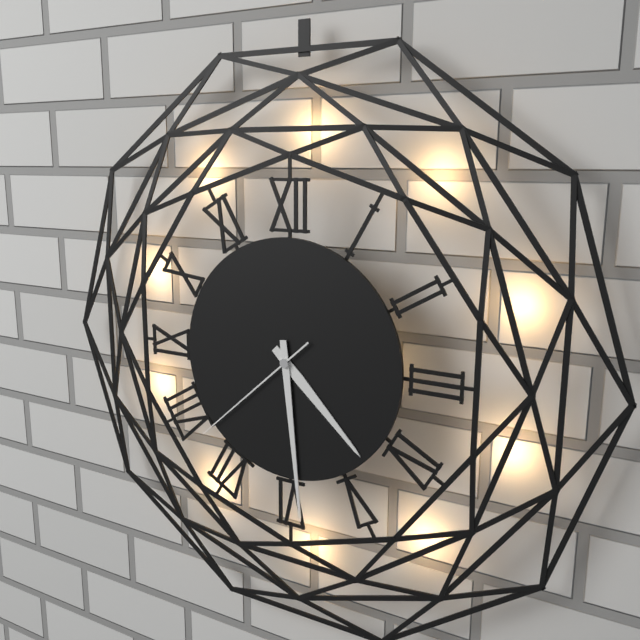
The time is 4 h 29 min 38 s
